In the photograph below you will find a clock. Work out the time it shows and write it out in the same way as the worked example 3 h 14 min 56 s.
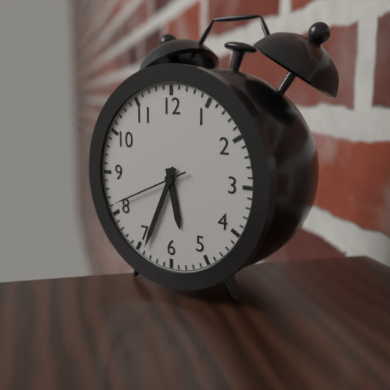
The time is 5 h 34 min 41 s
